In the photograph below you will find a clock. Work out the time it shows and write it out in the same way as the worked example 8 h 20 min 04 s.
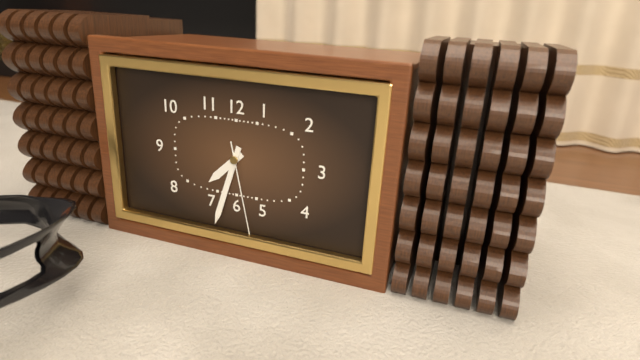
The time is 7 h 33 min 28 s
